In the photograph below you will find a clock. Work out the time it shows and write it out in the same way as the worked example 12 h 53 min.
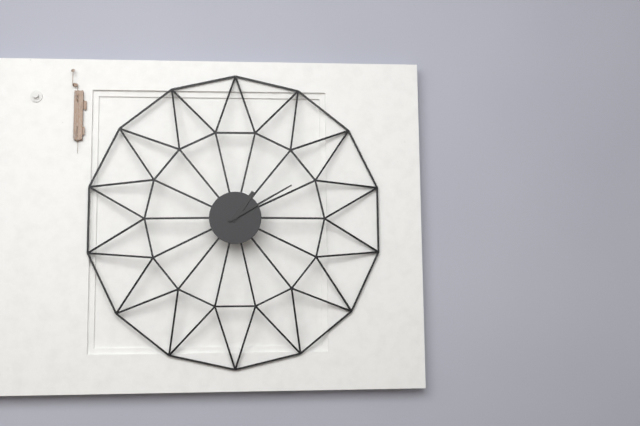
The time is 1 h 10 min
